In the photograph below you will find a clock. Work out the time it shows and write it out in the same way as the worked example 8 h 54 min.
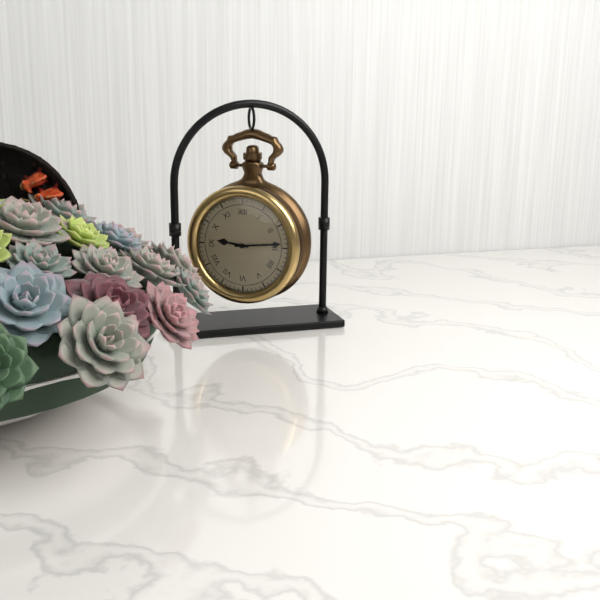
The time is 9 h 14 min
